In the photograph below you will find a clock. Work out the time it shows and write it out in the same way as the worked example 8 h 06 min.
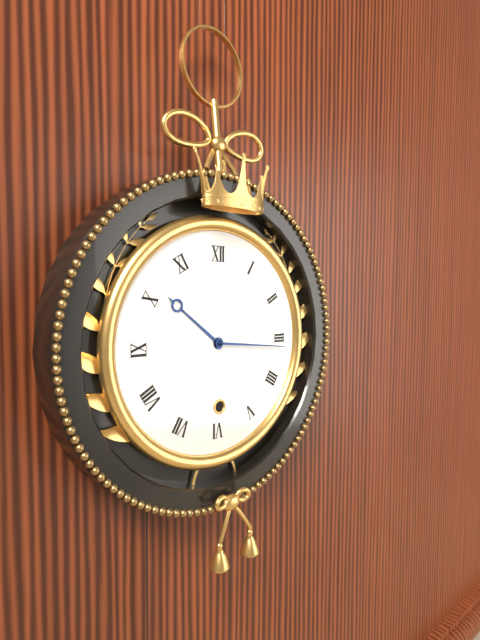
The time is 10 h 16 min
